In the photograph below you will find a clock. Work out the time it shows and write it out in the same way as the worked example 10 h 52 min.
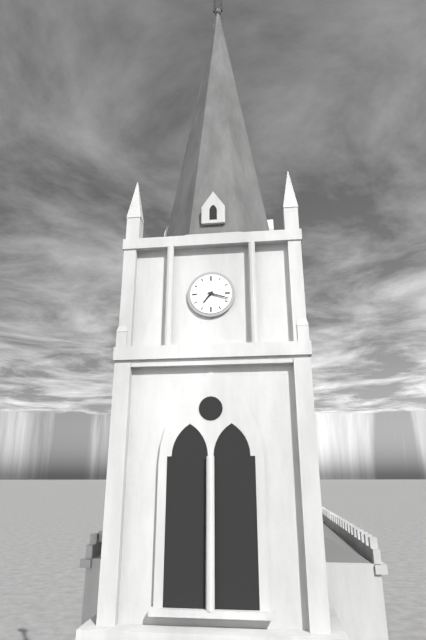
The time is 7 h 18 min
